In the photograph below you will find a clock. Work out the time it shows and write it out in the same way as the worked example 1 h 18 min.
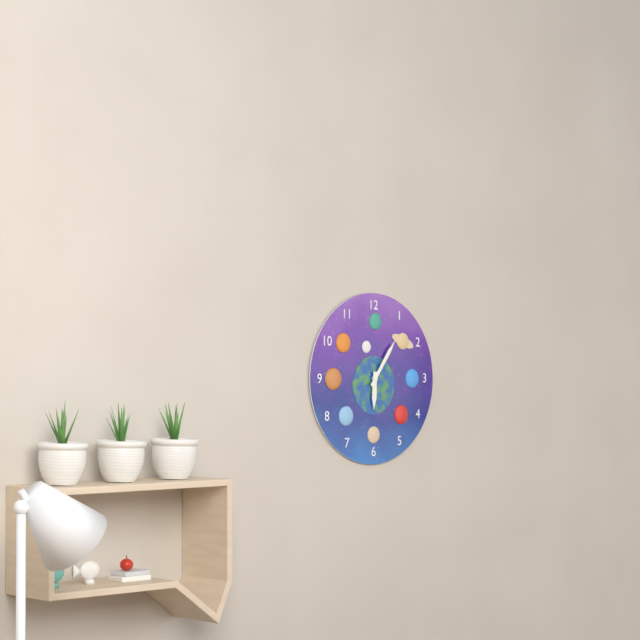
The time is 6 h 06 min
